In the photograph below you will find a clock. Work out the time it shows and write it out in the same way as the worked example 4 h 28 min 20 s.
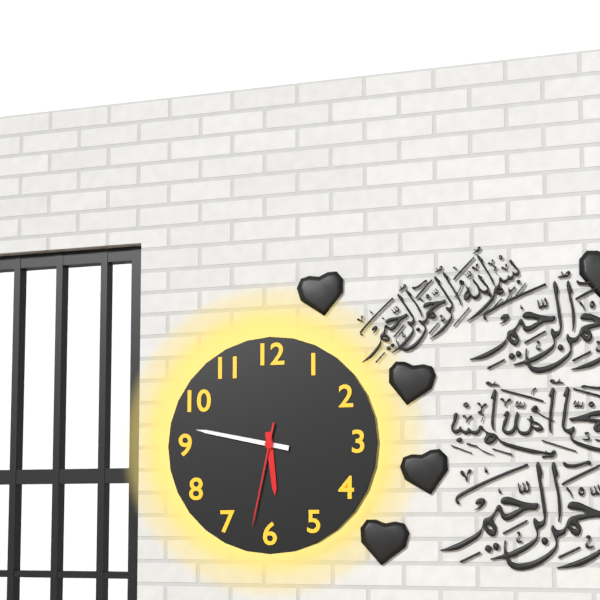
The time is 5 h 47 min 32 s
